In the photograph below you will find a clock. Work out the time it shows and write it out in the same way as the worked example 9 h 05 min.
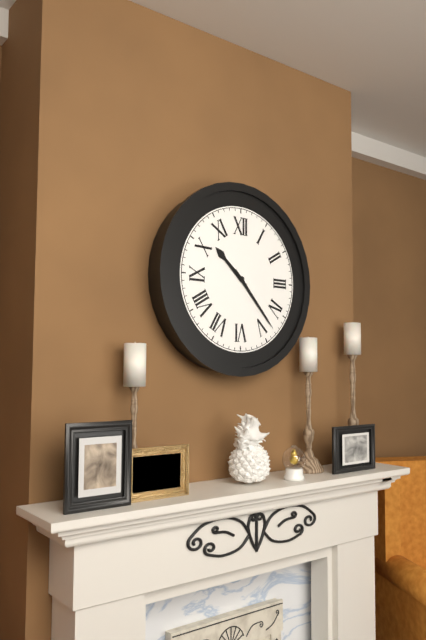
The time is 10 h 23 min
